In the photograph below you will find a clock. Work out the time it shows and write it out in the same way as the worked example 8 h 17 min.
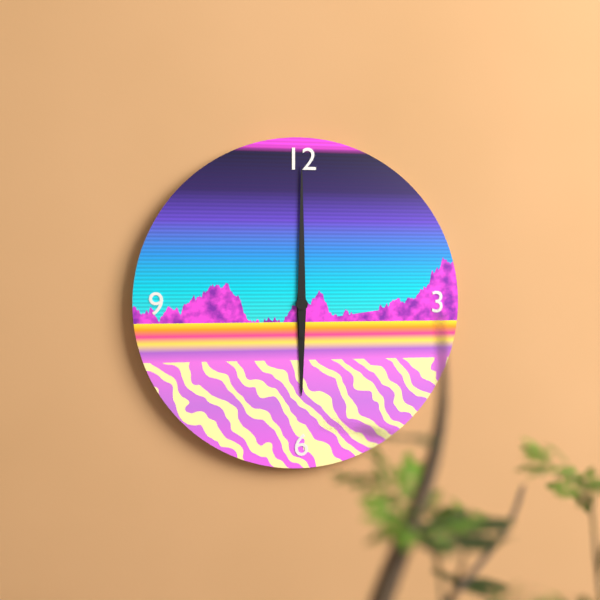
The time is 6 h 00 min
